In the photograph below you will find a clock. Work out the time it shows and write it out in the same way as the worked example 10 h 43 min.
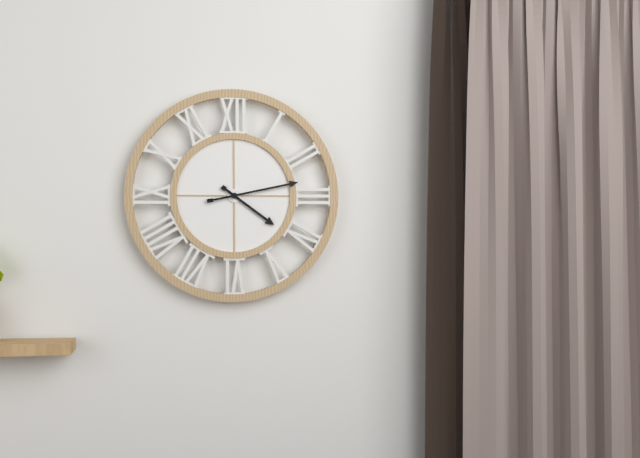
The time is 4 h 13 min
